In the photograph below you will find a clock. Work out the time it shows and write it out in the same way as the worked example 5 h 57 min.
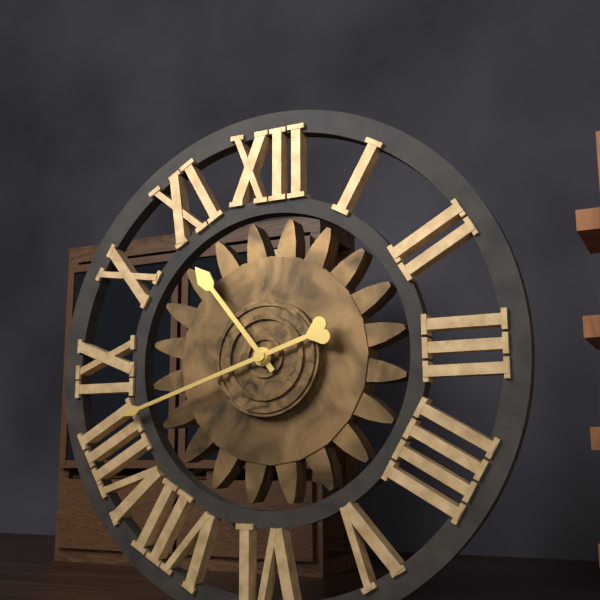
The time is 10 h 42 min
